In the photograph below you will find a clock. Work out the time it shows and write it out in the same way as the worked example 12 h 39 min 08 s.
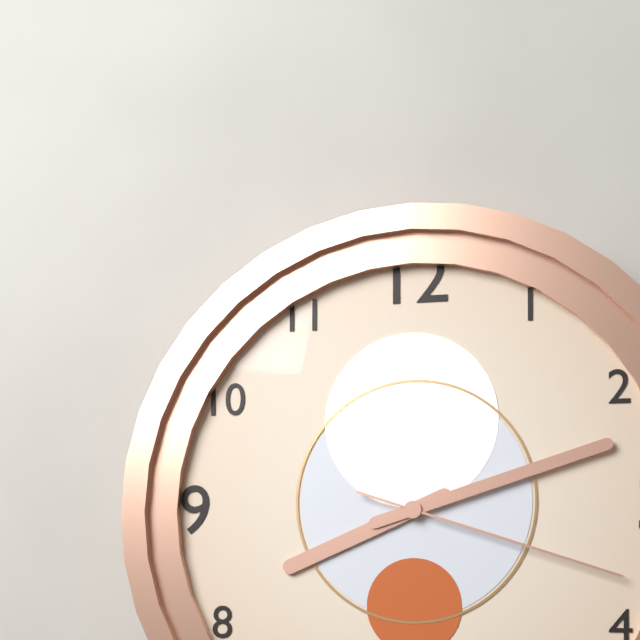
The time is 8 h 12 min 18 s
